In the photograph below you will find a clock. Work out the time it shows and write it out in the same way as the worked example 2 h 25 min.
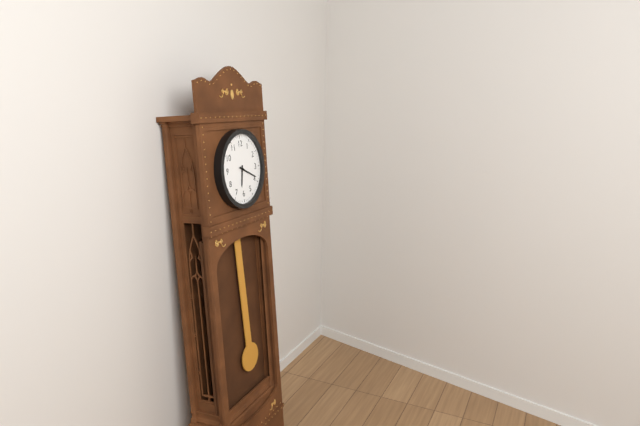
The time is 6 h 19 min
